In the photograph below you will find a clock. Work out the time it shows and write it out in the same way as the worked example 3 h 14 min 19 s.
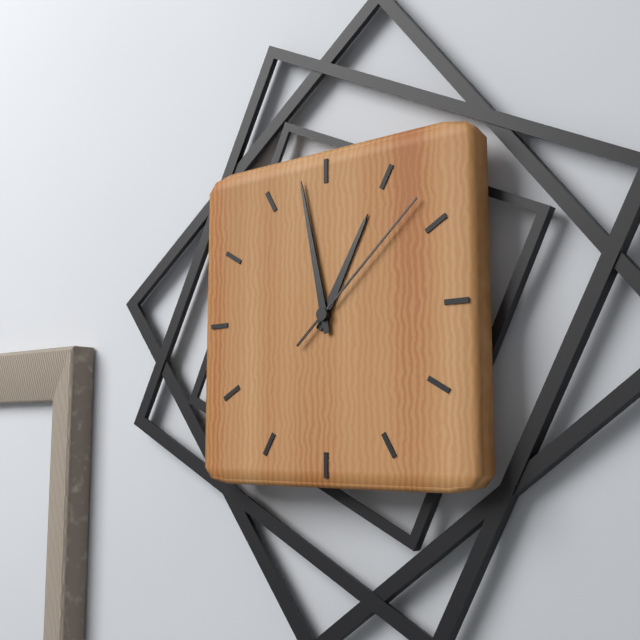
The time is 12 h 58 min 08 s
